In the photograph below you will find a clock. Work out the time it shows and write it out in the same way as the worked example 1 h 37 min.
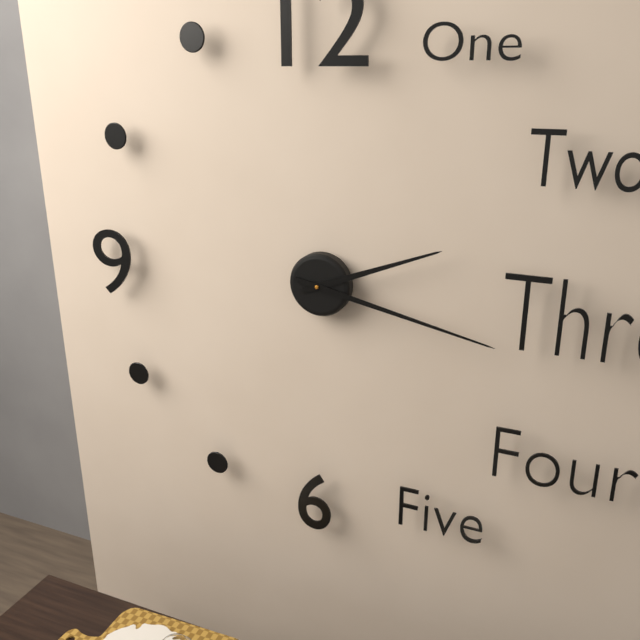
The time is 2 h 17 min
